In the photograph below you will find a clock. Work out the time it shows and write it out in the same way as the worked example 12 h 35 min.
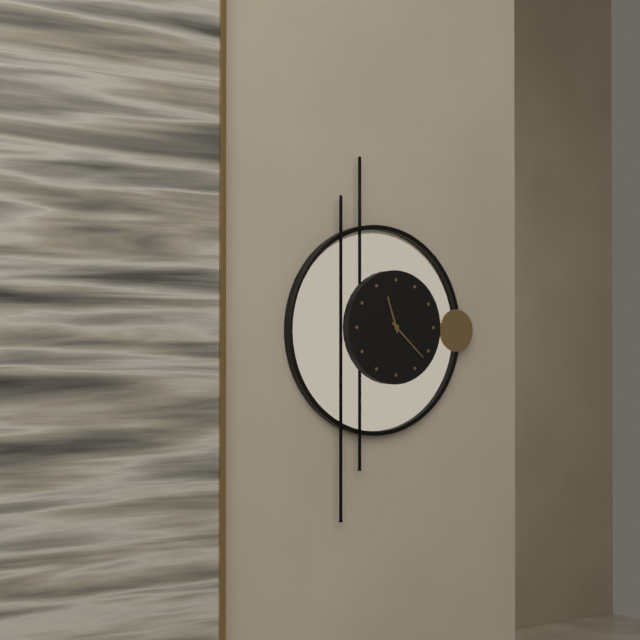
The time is 11 h 22 min
